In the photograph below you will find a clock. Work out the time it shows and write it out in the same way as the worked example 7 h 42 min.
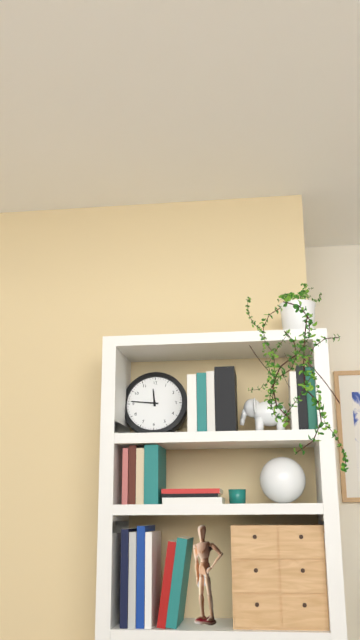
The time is 11 h 46 min
